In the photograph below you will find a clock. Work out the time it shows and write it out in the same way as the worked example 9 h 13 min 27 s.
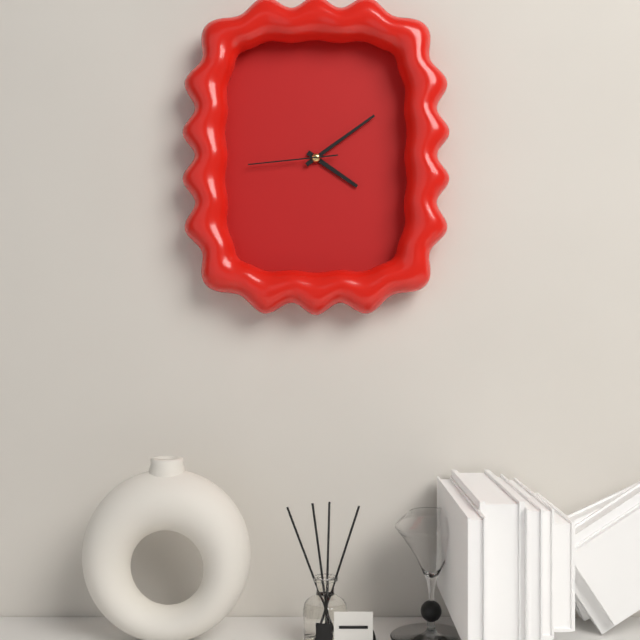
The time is 4 h 09 min 44 s
